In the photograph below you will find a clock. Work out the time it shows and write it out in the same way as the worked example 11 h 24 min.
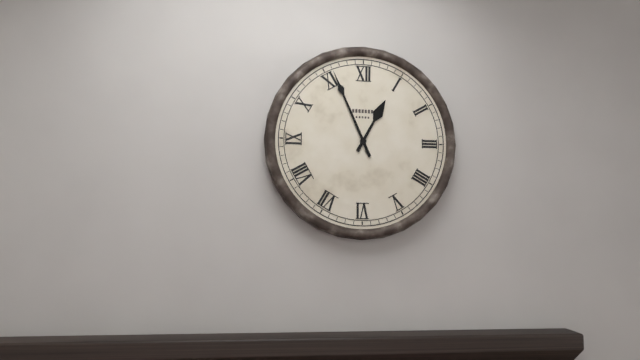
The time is 12 h 56 min
